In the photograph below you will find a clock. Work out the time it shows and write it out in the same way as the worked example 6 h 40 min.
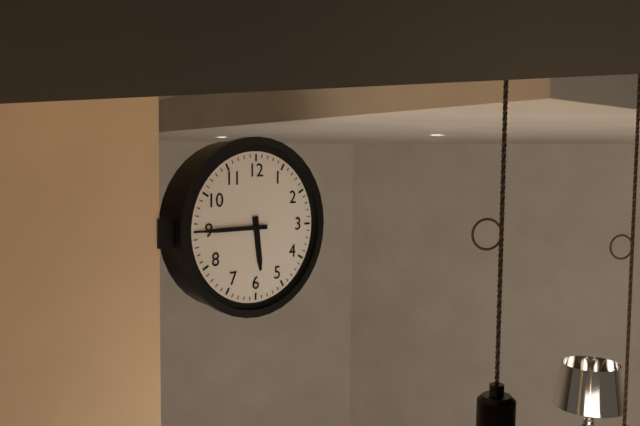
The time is 5 h 45 min
